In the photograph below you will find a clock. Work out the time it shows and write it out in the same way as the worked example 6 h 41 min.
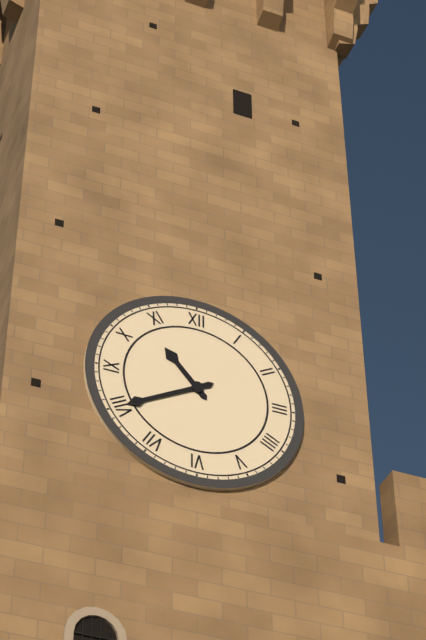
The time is 10 h 40 min
